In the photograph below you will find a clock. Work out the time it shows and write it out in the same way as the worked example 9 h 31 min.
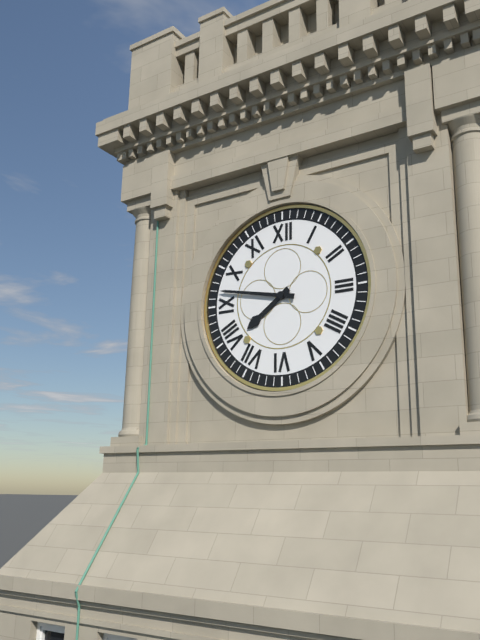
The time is 7 h 47 min
